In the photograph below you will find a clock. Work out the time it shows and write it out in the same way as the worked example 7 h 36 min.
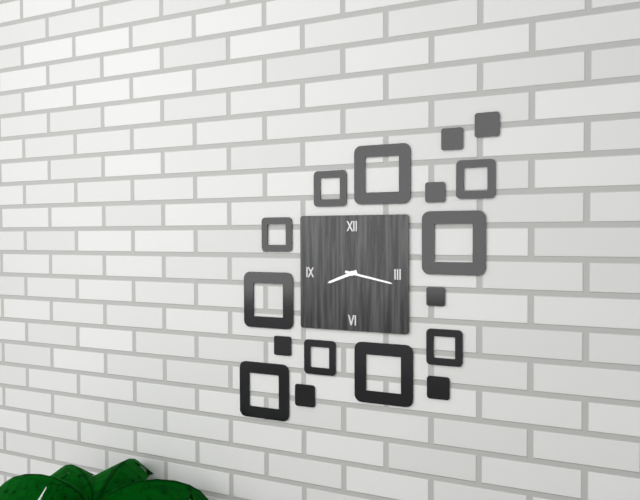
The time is 8 h 17 min
